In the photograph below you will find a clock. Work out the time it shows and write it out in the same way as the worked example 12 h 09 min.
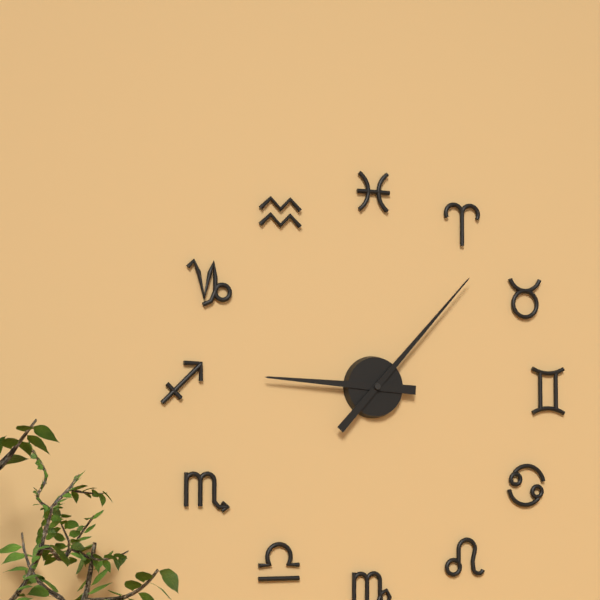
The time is 9 h 07 min
